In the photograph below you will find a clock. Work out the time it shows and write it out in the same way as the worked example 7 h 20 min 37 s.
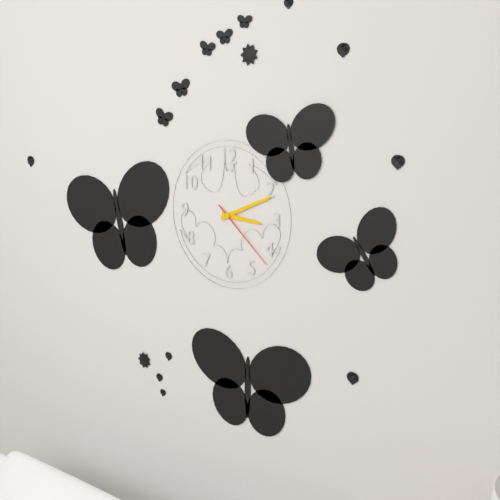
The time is 3 h 11 min 22 s
